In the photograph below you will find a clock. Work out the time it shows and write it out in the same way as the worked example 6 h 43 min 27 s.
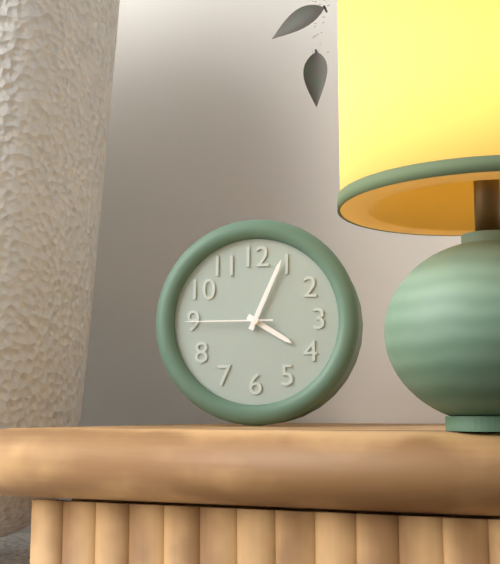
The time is 4 h 04 min 45 s
